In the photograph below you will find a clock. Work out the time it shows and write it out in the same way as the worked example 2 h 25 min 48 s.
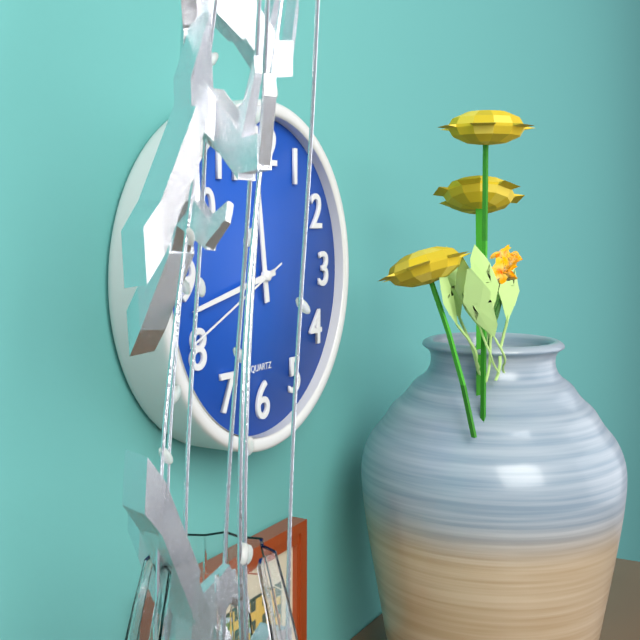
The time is 11 h 43 min 41 s
